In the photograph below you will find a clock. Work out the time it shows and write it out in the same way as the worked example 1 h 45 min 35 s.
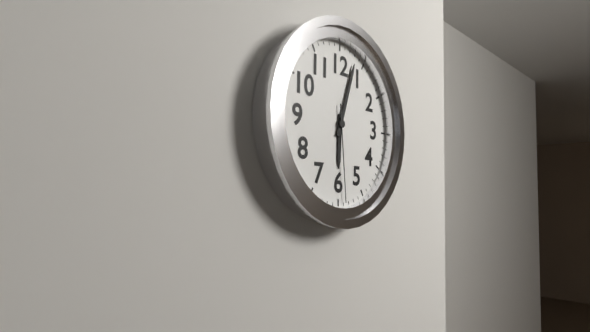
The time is 6 h 03 min 29 s
